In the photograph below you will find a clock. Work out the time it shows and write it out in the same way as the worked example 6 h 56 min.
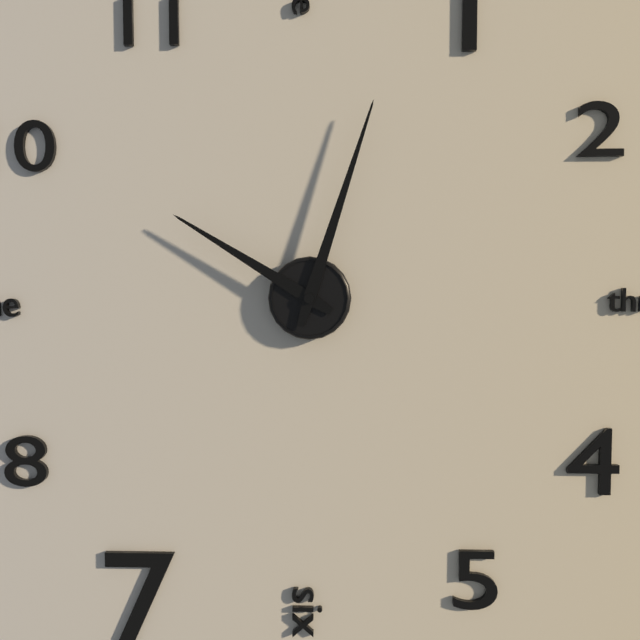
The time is 10 h 03 min
